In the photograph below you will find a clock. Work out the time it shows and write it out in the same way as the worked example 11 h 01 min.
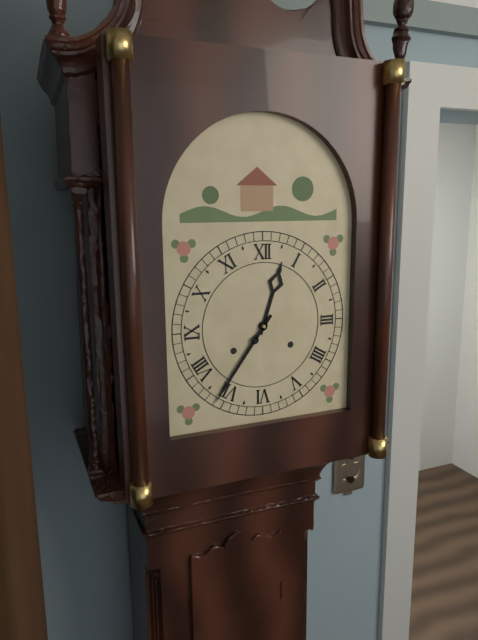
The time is 12 h 36 min
